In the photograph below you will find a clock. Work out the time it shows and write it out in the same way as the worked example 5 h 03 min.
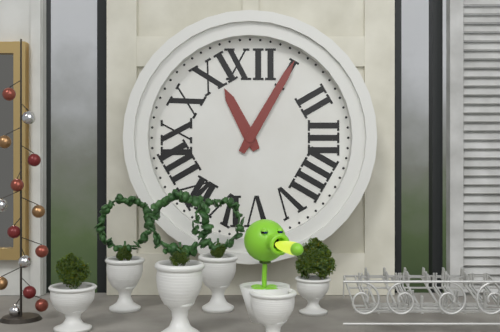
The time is 11 h 05 min
